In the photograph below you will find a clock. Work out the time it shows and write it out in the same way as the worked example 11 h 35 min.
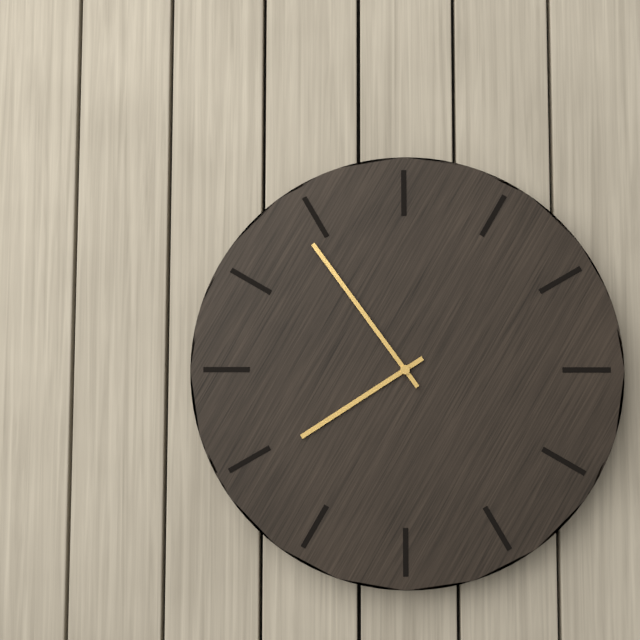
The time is 7 h 54 min
